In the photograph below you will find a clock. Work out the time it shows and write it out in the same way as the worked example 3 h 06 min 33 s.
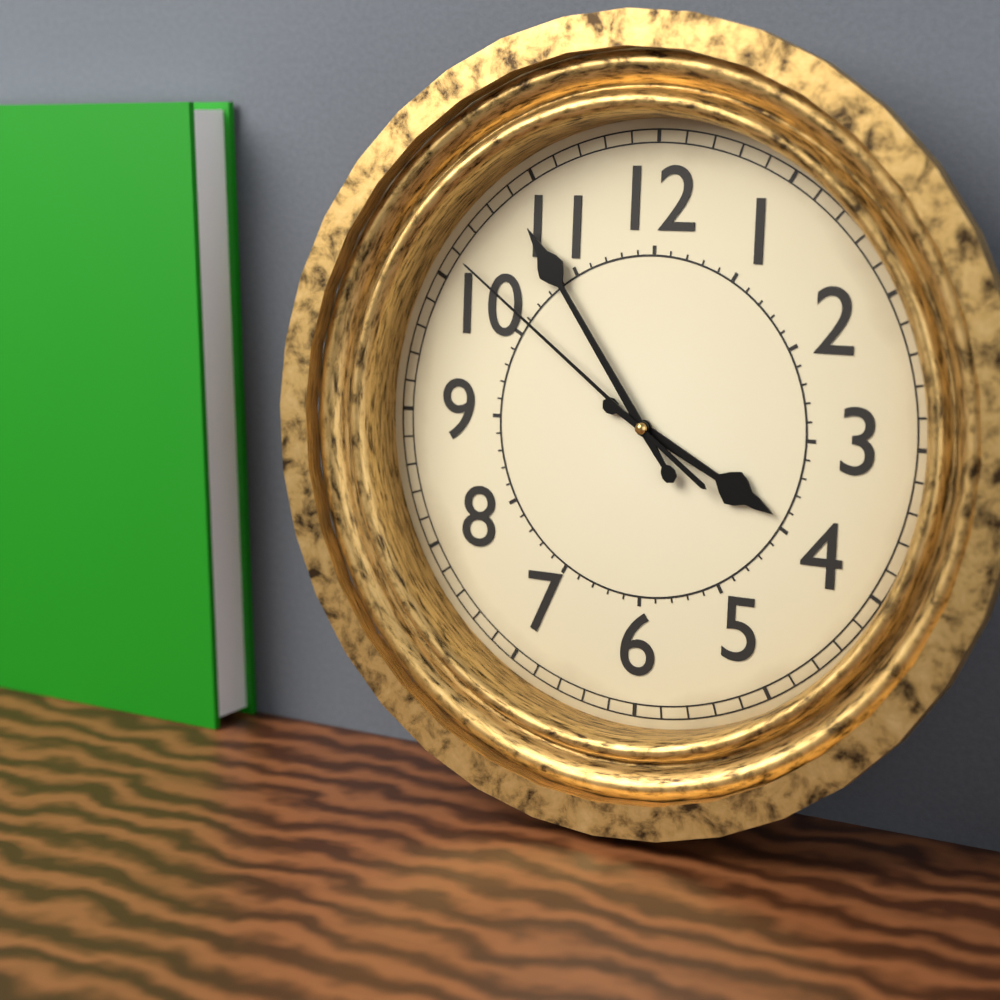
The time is 3 h 54 min 51 s
